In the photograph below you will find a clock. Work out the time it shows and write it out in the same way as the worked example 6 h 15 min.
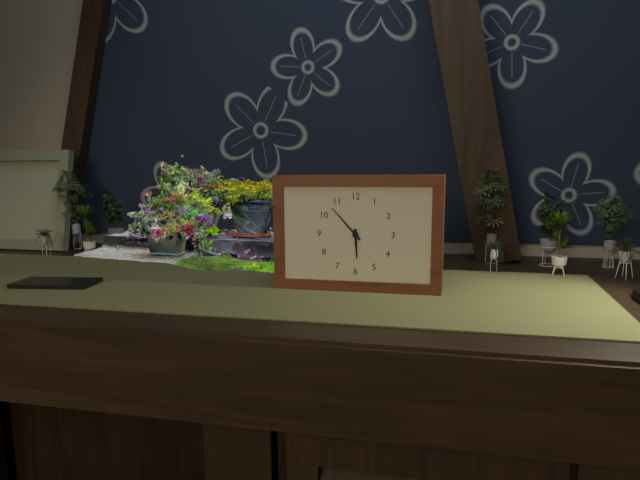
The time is 5 h 53 min
